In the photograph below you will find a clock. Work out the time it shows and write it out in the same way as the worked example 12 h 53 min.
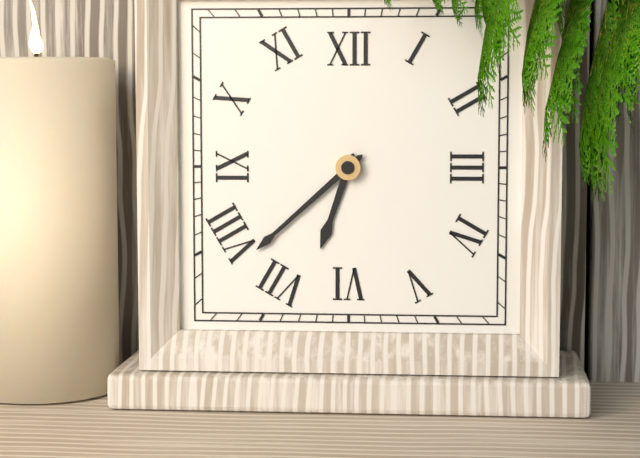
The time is 6 h 38 min
